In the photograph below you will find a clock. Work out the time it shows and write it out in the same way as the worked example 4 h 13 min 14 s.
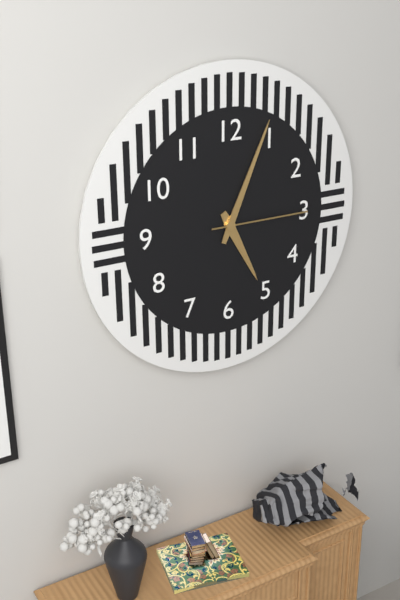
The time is 5 h 04 min 15 s
